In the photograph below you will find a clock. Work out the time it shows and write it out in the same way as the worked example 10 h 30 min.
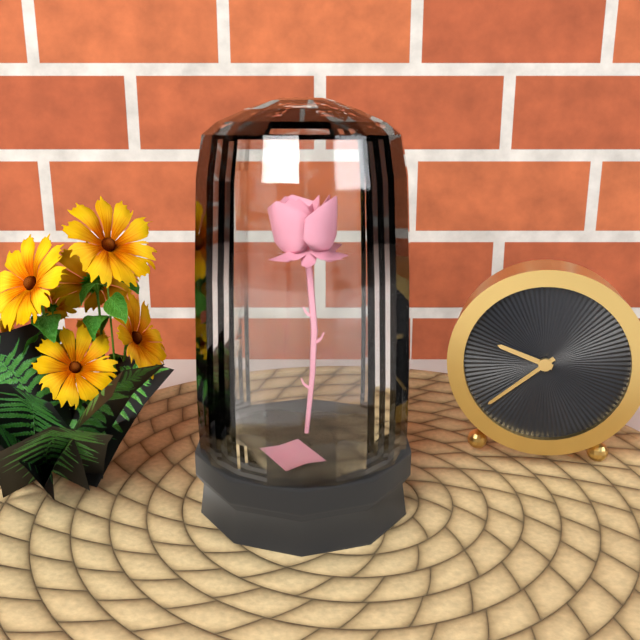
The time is 9 h 38 min
